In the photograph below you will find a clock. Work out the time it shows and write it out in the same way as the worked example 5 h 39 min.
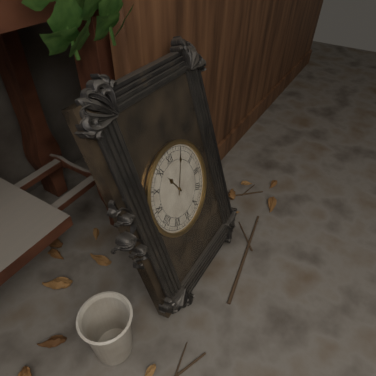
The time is 11 h 05 min
